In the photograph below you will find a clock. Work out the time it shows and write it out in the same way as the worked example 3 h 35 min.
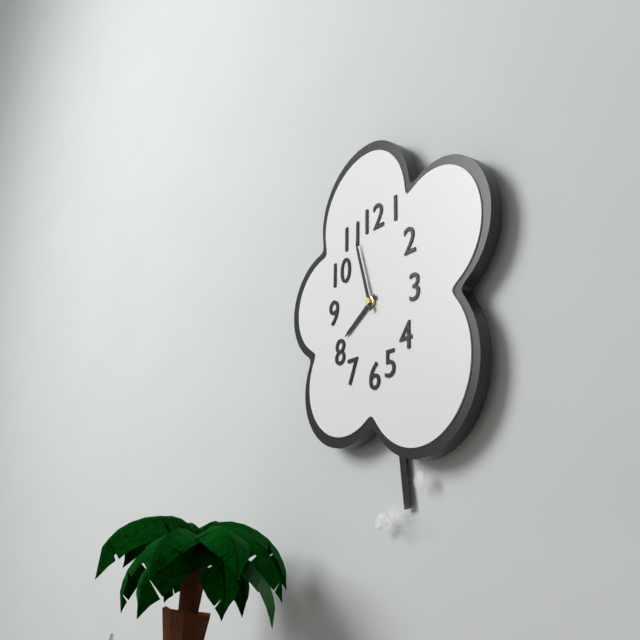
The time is 7 h 57 min
